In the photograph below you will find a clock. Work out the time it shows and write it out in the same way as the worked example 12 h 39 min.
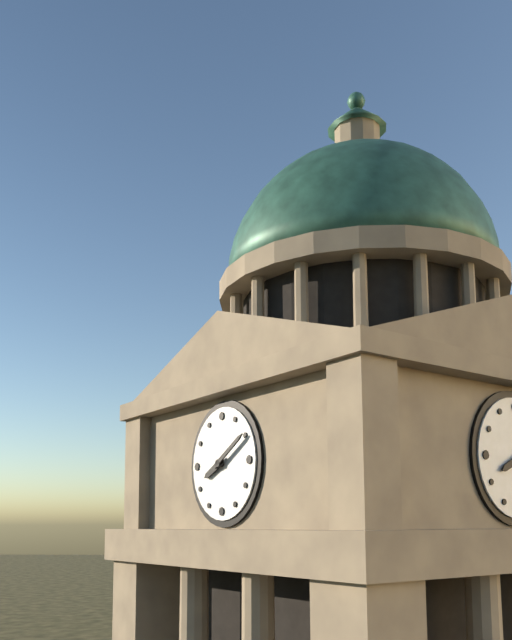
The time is 8 h 10 min
